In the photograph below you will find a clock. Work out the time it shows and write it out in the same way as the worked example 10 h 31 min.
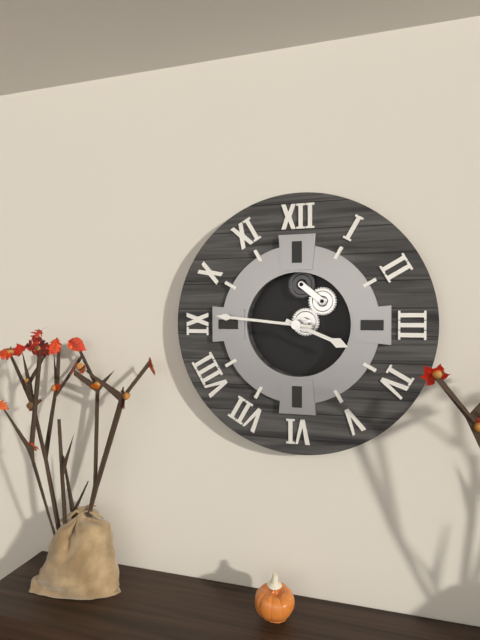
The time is 3 h 46 min
